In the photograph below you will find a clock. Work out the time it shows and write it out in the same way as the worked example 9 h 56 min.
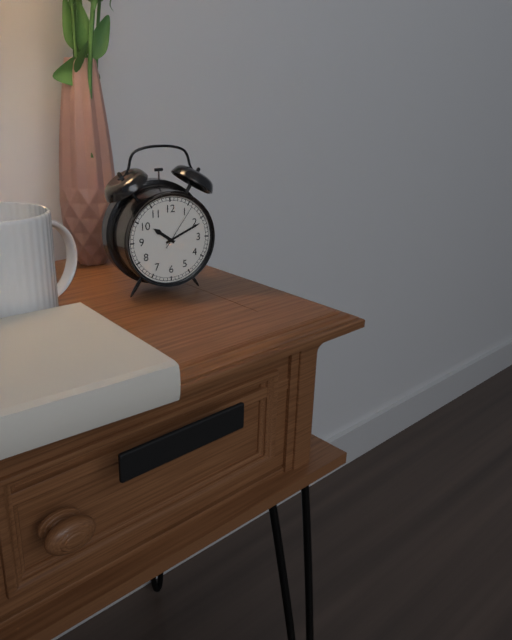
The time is 10 h 11 min
